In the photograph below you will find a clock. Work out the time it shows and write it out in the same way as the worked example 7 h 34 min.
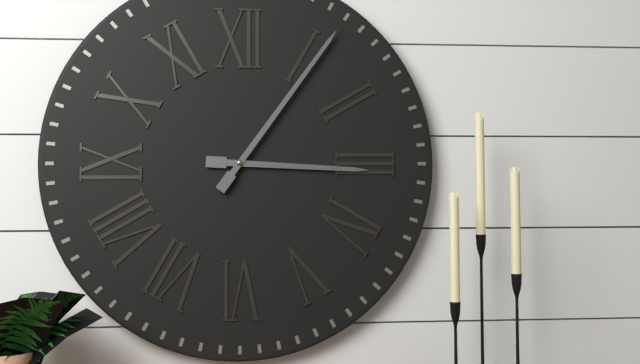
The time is 3 h 06 min
